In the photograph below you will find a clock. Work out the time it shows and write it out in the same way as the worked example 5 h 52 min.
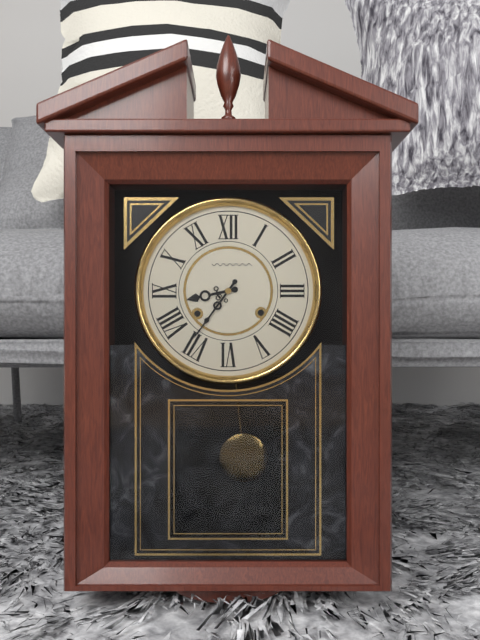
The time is 8 h 36 min
